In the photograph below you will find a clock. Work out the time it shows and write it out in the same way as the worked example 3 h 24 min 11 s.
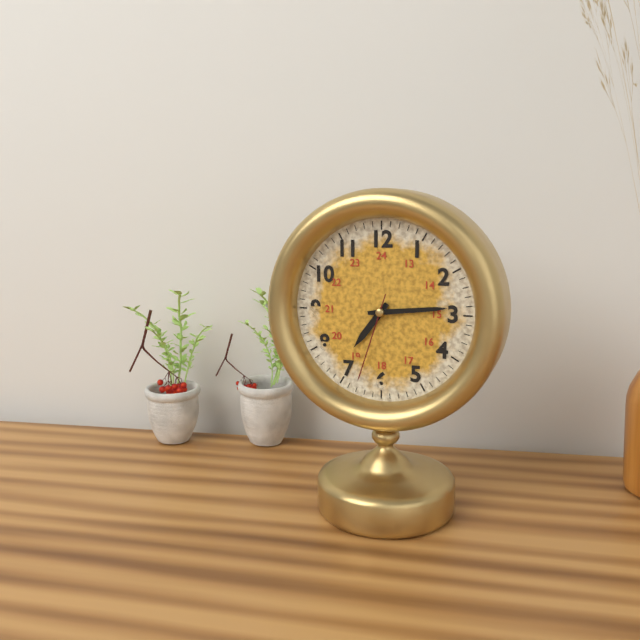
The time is 7 h 14 min 33 s
